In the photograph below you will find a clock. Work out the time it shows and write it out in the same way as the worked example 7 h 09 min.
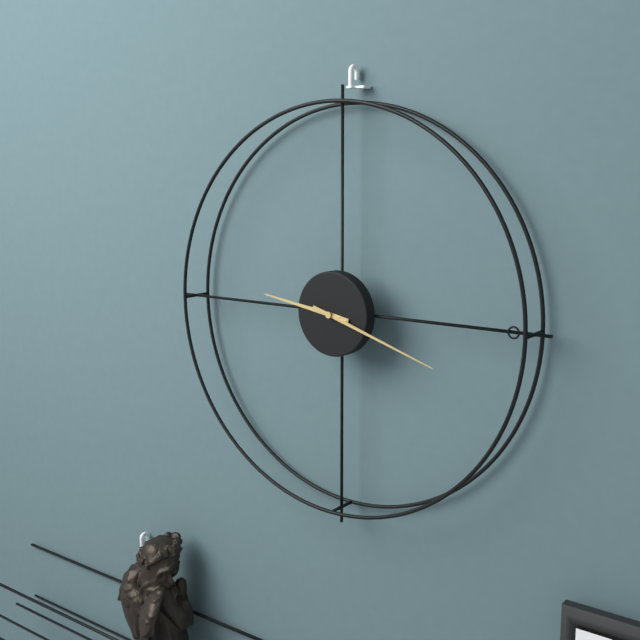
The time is 9 h 18 min
